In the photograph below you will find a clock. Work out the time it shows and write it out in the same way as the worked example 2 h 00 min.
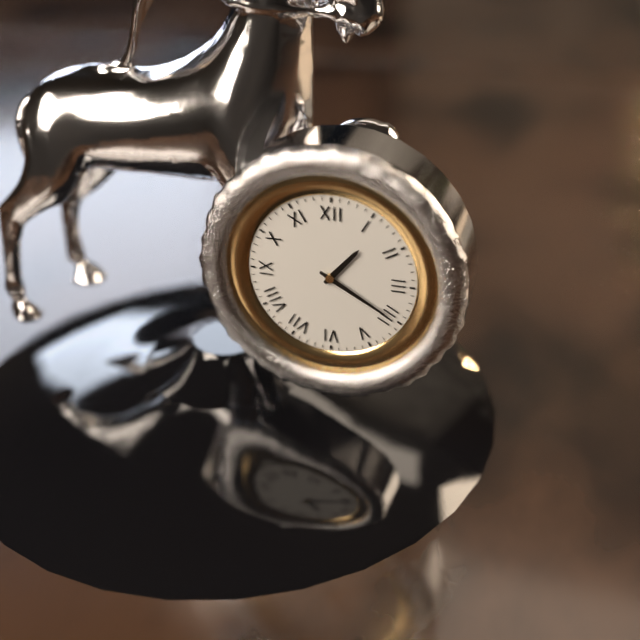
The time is 1 h 20 min
